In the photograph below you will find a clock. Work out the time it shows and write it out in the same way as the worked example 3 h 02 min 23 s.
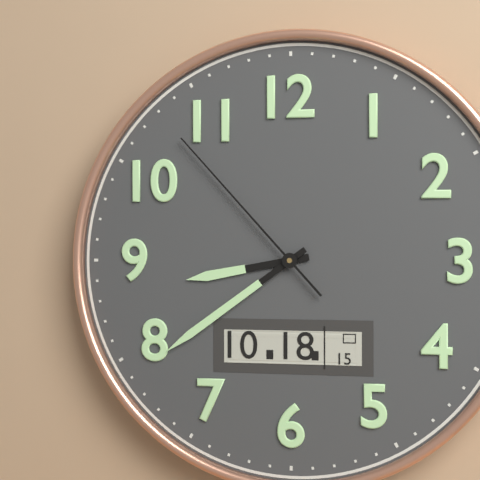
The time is 8 h 39 min 53 s
